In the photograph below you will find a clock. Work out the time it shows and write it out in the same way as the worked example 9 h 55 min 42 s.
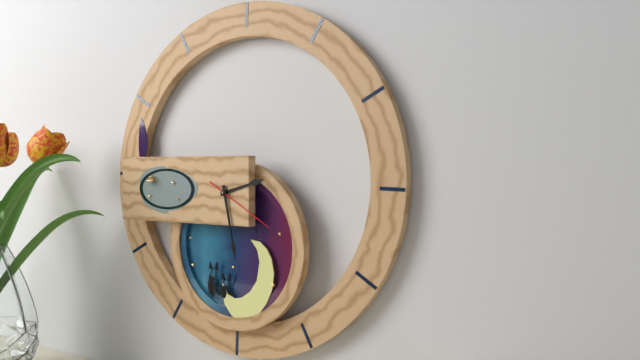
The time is 2 h 28 min 20 s
